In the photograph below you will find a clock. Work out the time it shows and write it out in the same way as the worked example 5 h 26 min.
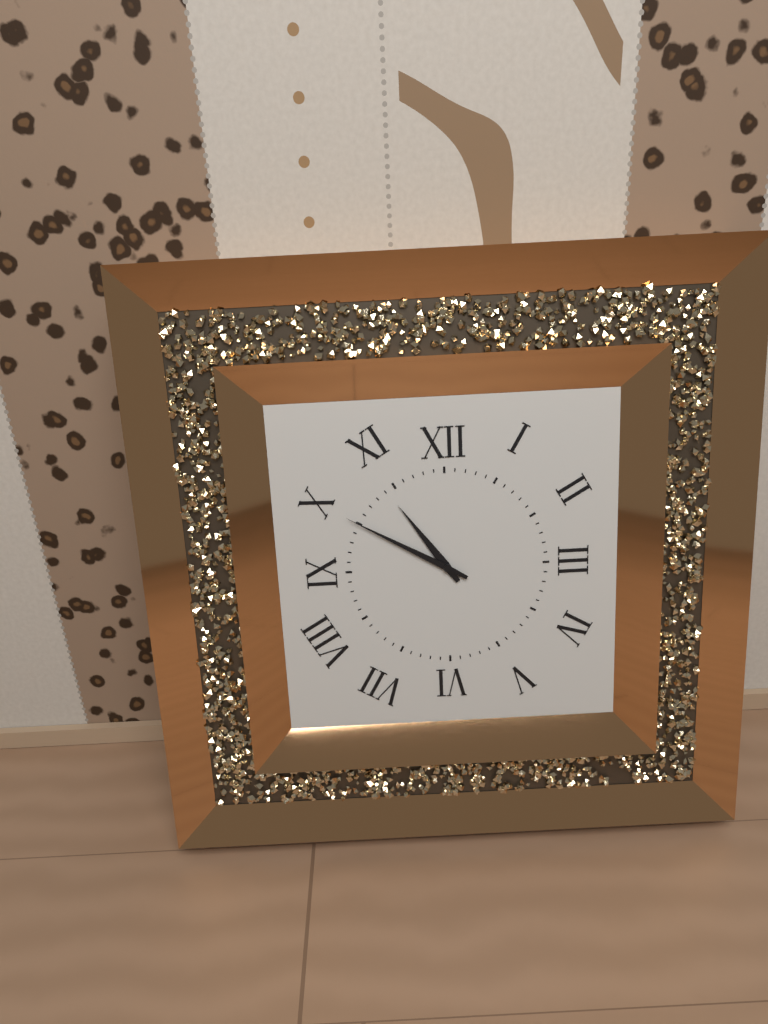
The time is 10 h 50 min
